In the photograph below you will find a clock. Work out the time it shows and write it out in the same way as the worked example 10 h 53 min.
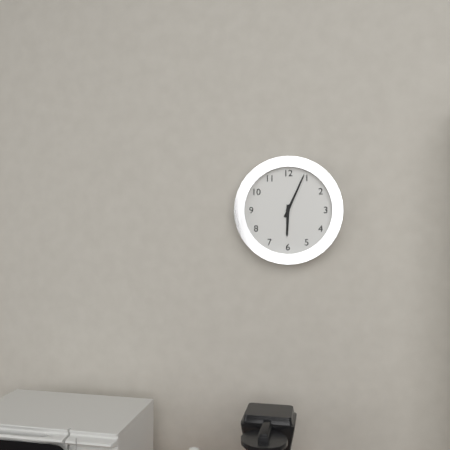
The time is 6 h 04 min
